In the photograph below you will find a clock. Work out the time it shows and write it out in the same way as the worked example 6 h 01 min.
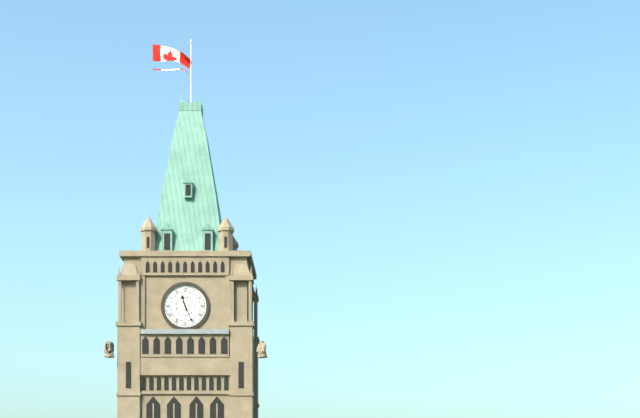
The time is 11 h 26 min
